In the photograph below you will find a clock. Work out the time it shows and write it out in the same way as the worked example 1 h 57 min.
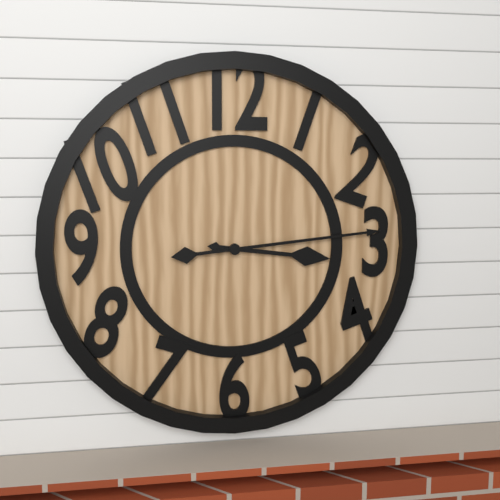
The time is 3 h 14 min
